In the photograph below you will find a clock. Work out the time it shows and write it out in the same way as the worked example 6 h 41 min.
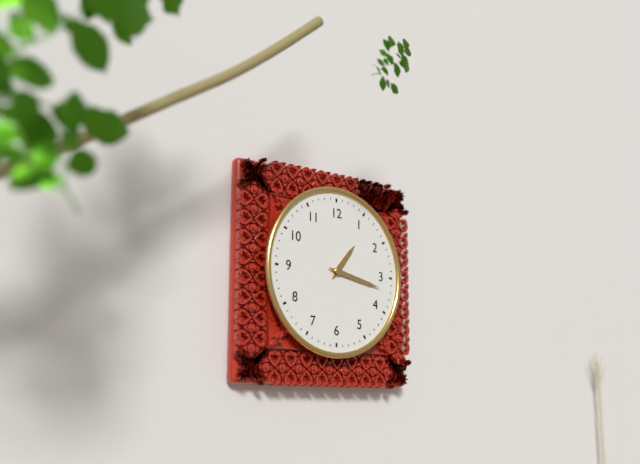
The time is 1 h 17 min
